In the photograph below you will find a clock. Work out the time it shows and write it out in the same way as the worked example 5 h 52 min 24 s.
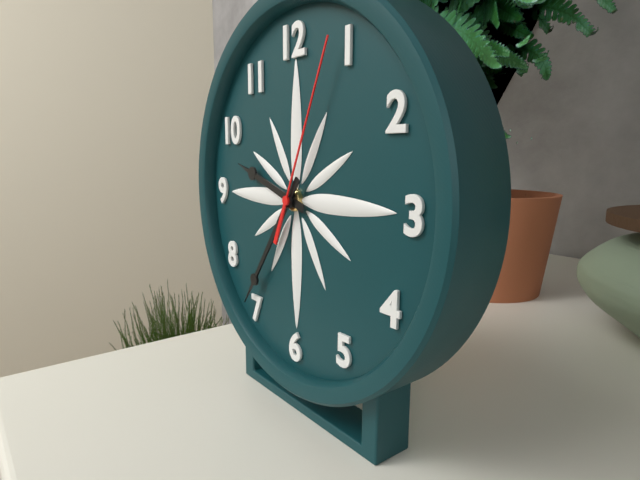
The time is 9 h 36 min 04 s
